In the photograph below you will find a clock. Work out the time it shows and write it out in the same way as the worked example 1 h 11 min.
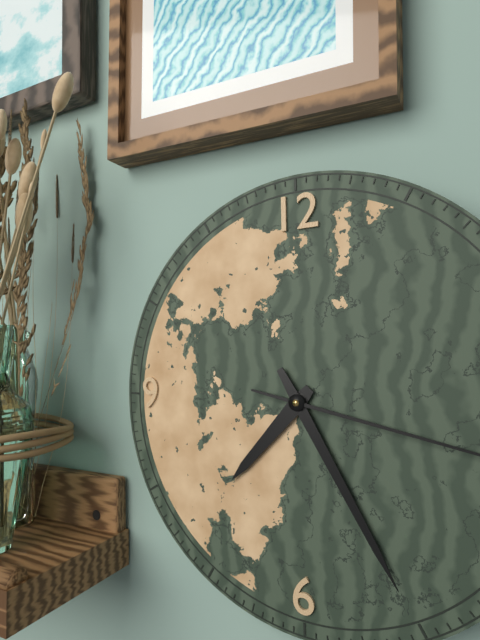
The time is 7 h 25 min
